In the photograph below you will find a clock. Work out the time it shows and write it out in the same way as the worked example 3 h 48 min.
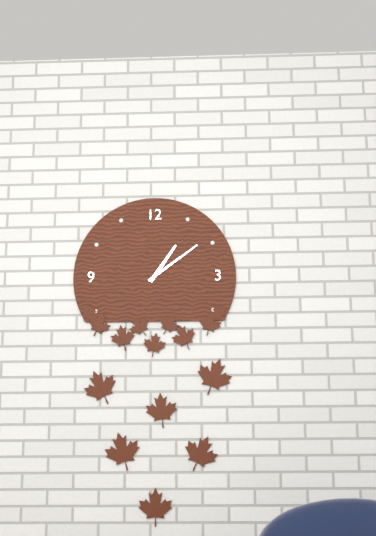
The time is 1 h 09 min
